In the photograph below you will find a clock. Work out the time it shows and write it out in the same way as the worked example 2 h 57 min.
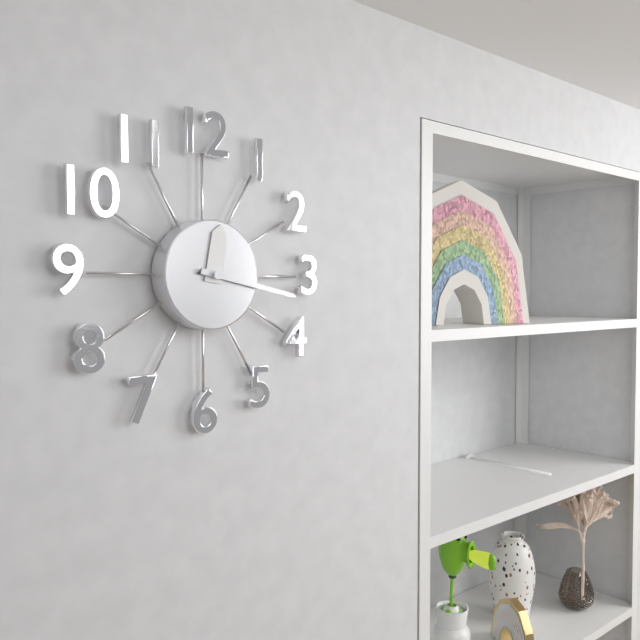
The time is 12 h 17 min
